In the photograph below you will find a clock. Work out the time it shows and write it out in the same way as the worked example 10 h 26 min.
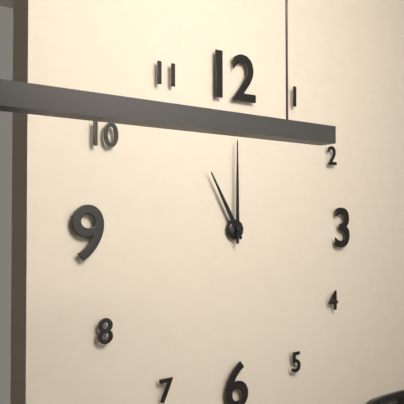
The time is 11 h 00 min
